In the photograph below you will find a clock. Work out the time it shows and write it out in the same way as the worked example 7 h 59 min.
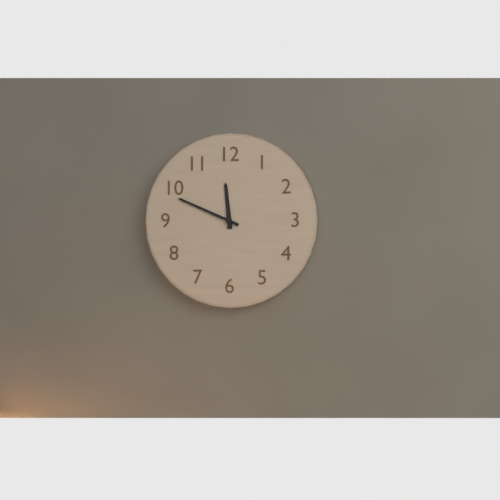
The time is 11 h 49 min
